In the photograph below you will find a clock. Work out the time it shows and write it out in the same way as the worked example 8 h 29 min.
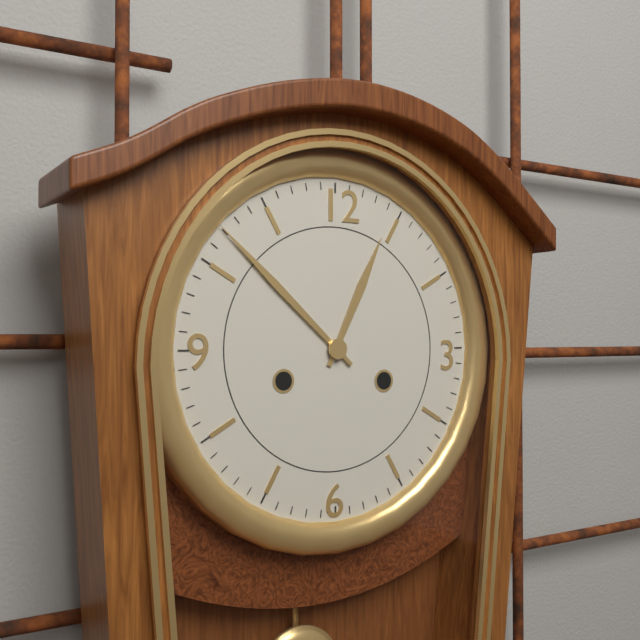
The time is 12 h 52 min
